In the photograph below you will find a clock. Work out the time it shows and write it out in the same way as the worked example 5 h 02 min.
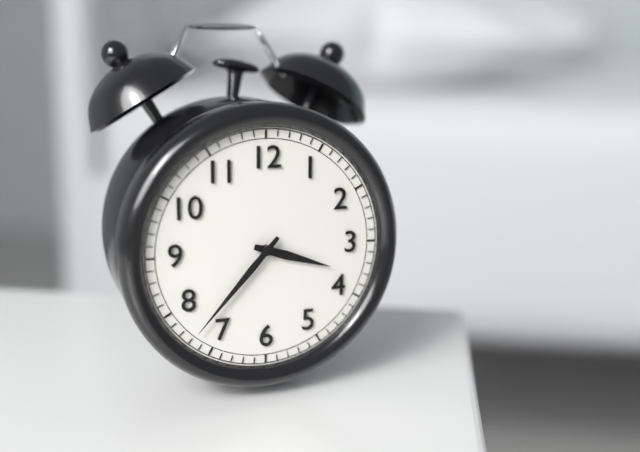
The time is 3 h 37 min
